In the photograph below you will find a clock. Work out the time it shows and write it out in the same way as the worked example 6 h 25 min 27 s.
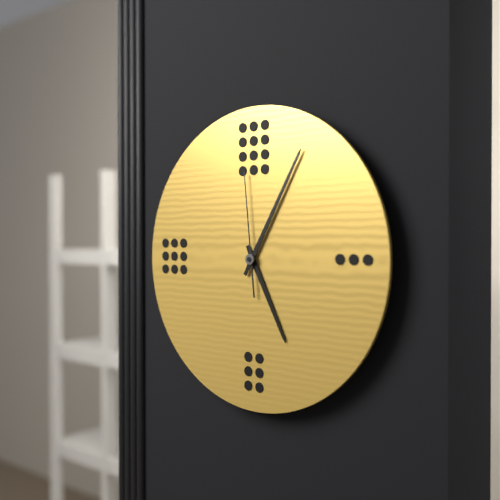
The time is 5 h 05 min 59 s
